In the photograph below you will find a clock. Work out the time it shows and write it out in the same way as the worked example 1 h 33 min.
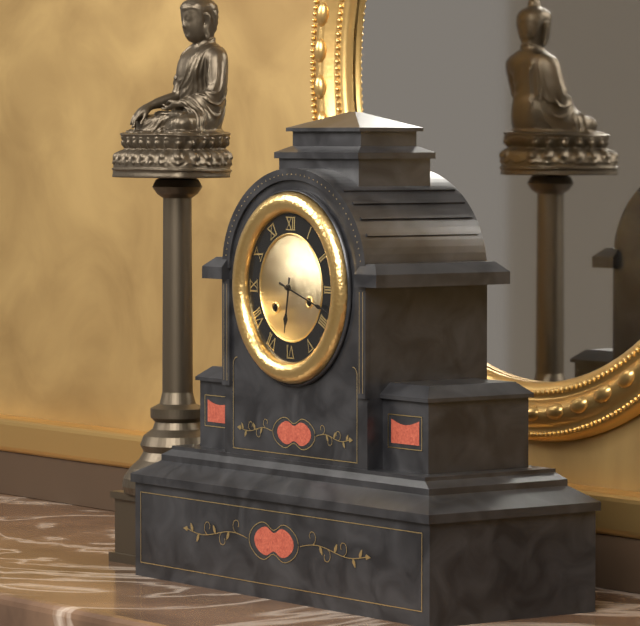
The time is 6 h 18 min
